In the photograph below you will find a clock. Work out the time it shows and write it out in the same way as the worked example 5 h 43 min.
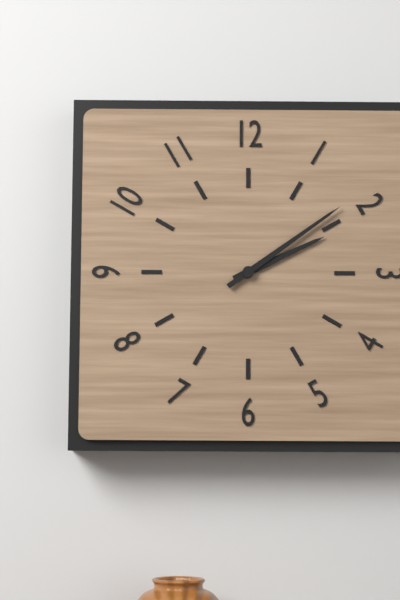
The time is 2 h 09 min
